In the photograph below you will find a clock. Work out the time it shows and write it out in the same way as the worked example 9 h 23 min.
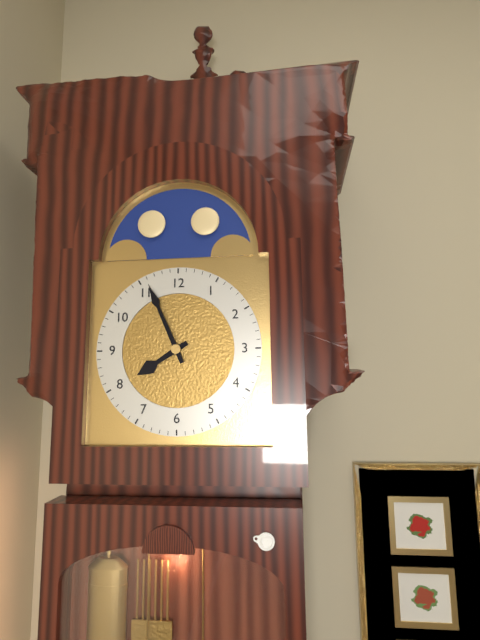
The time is 7 h 56 min
